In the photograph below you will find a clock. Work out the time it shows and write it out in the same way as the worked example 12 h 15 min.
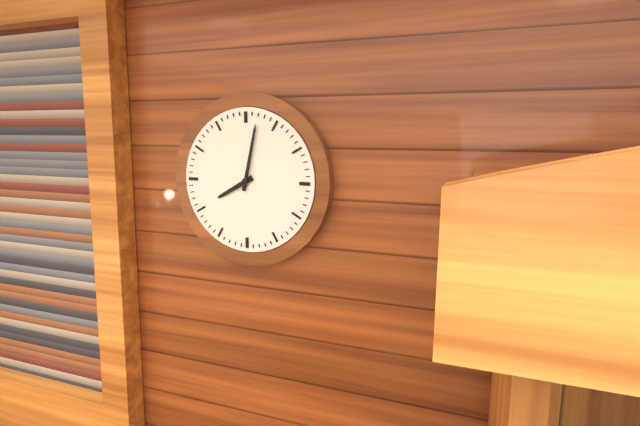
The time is 8 h 02 min
